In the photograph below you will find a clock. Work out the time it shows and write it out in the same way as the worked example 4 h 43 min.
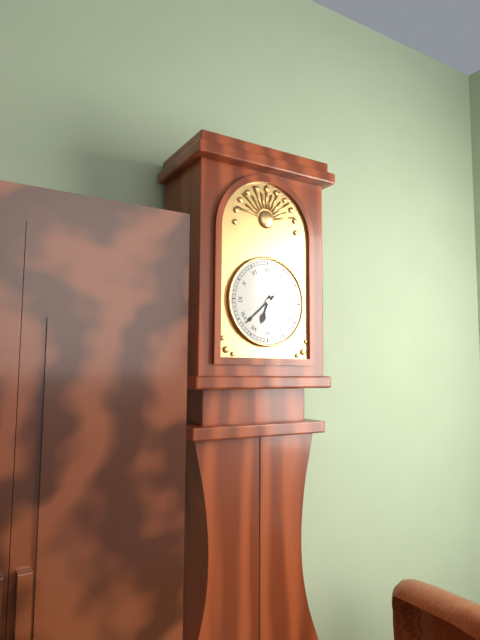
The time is 6 h 38 min
